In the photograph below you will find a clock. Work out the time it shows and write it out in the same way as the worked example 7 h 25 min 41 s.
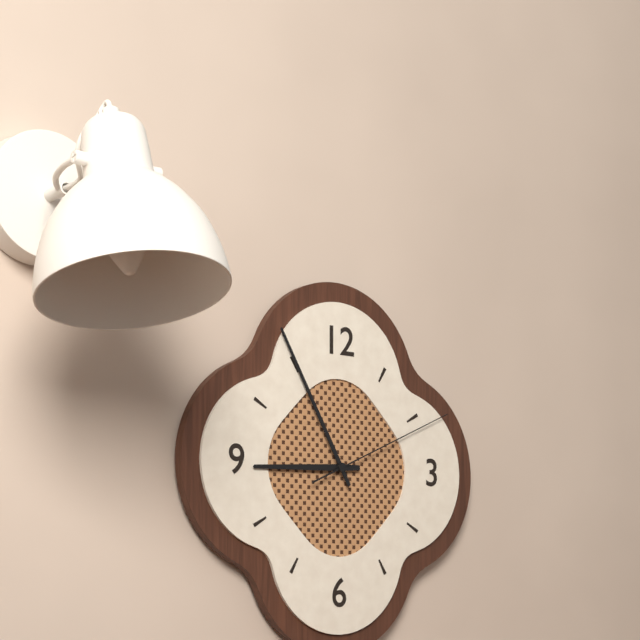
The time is 8 h 55 min 11 s
